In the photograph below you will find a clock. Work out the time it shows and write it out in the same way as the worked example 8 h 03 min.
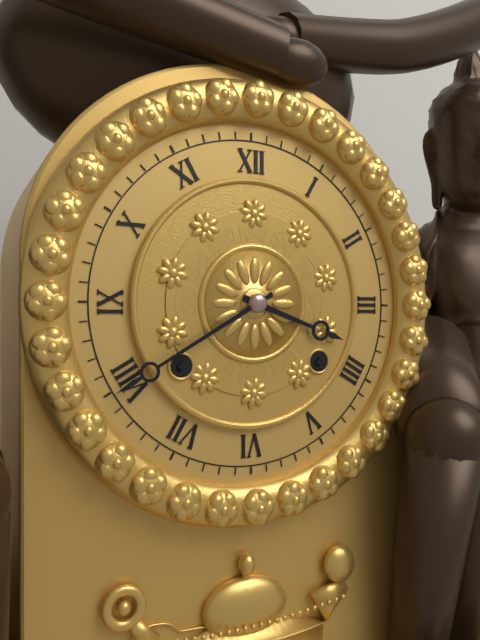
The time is 3 h 40 min
